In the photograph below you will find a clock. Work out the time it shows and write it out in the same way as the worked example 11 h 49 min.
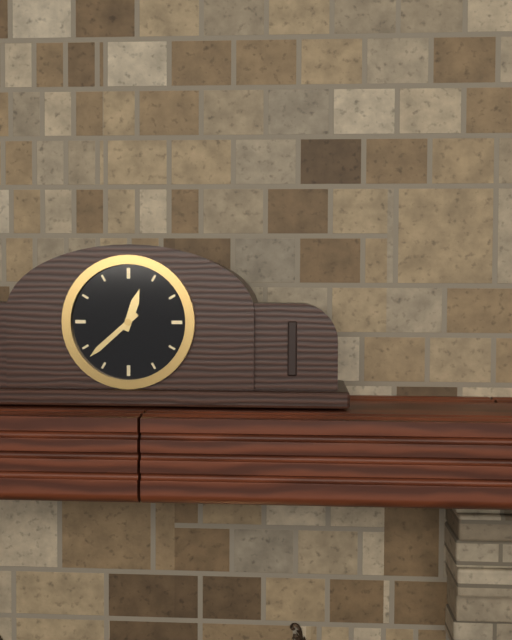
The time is 12 h 38 min
